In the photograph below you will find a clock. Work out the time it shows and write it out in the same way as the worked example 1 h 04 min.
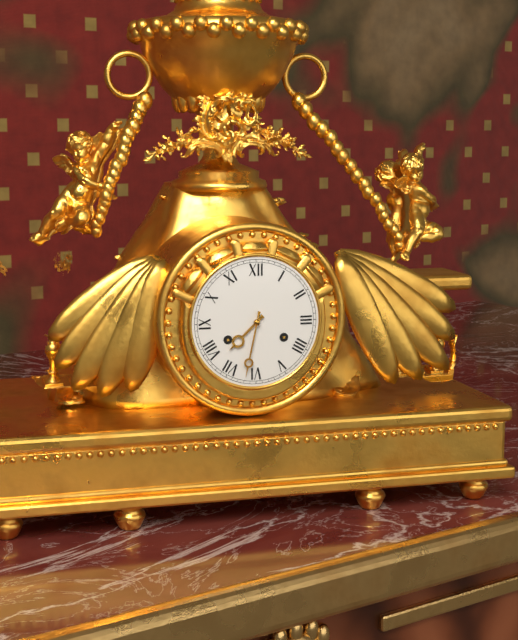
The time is 7 h 32 min
